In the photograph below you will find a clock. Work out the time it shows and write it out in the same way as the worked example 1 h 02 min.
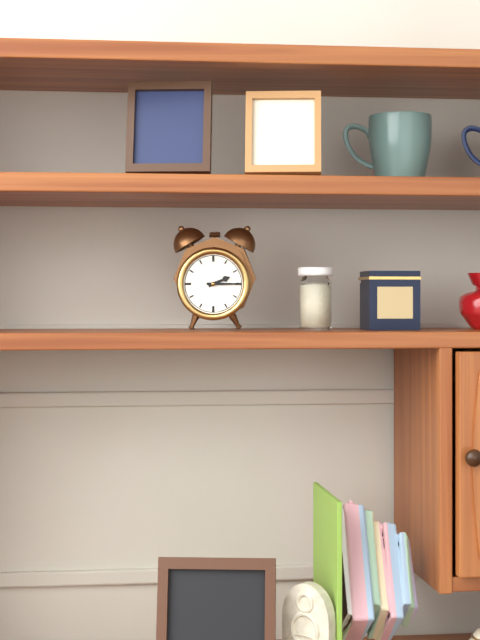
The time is 2 h 15 min
